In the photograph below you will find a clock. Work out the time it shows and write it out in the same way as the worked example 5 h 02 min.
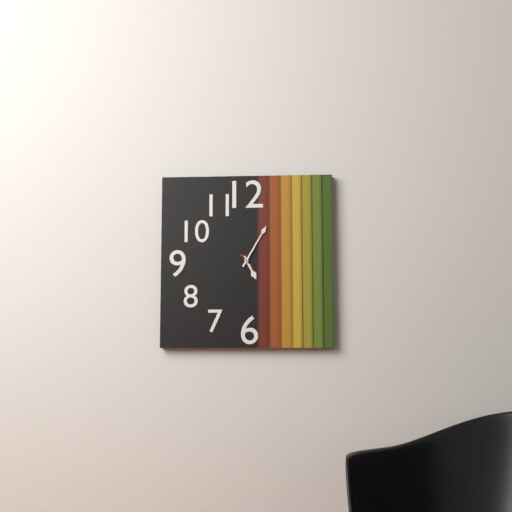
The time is 5 h 05 min
